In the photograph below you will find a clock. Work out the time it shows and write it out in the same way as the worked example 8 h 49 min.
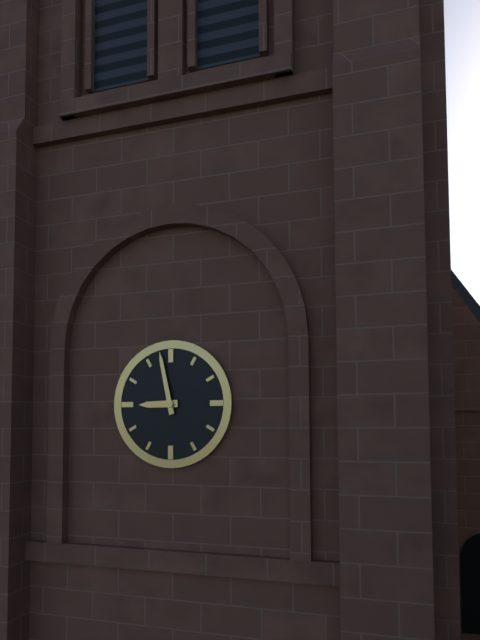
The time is 8 h 58 min
